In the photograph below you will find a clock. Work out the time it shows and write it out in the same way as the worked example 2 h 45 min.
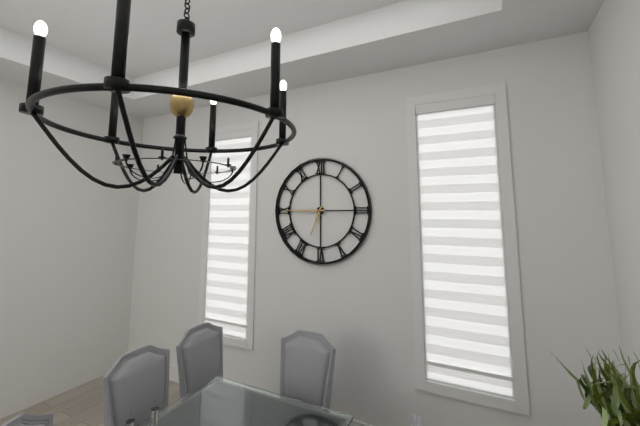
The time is 6 h 45 min
